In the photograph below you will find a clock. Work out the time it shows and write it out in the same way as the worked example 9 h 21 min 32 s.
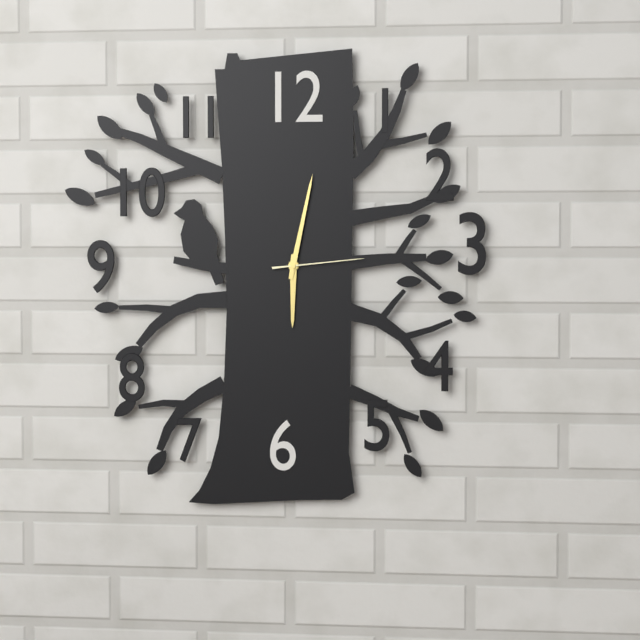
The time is 6 h 02 min 14 s
